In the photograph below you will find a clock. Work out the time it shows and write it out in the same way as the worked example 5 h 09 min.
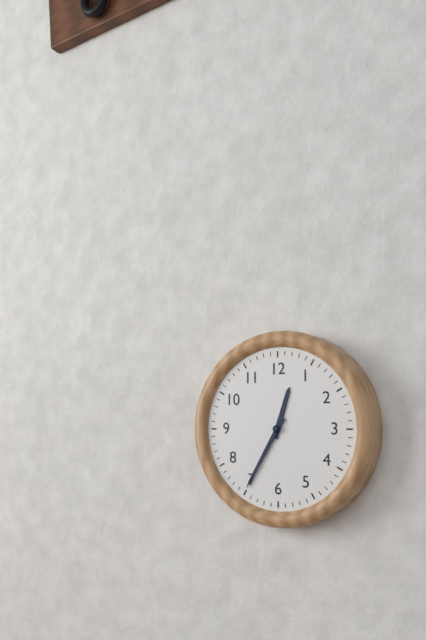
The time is 12 h 35 min
